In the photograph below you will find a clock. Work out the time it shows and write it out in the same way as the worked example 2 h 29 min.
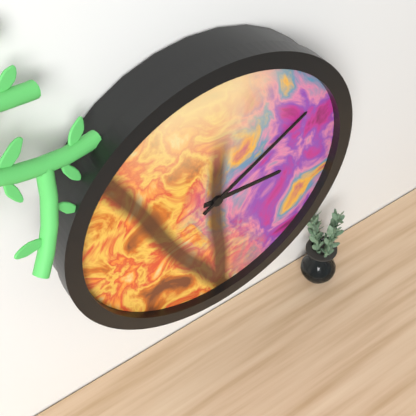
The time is 3 h 10 min
